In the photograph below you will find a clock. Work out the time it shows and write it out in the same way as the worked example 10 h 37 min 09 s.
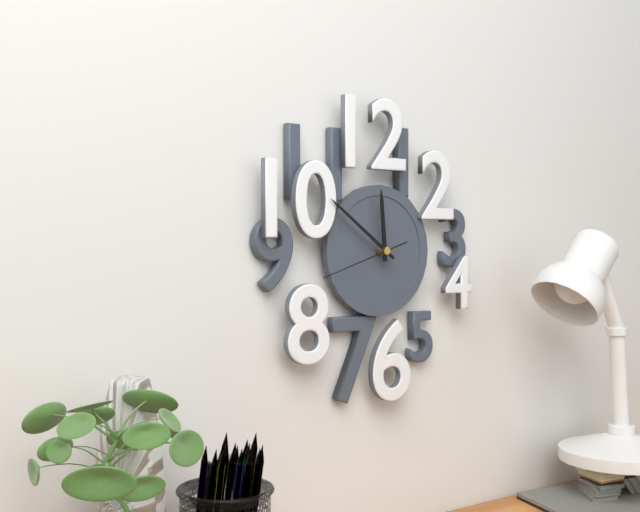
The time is 11 h 51 min 42 s
